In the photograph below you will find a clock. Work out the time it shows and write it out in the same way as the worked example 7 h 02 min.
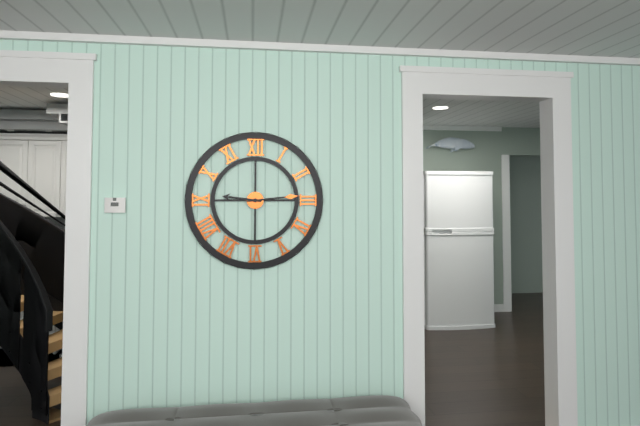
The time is 9 h 14 min
